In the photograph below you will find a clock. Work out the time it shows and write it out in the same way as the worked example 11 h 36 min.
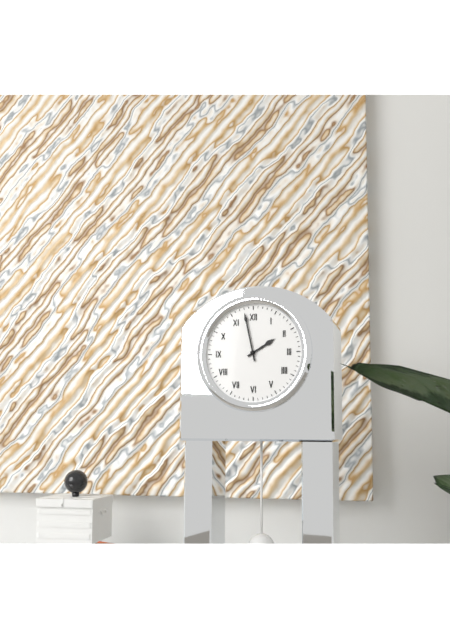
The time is 1 h 58 min
